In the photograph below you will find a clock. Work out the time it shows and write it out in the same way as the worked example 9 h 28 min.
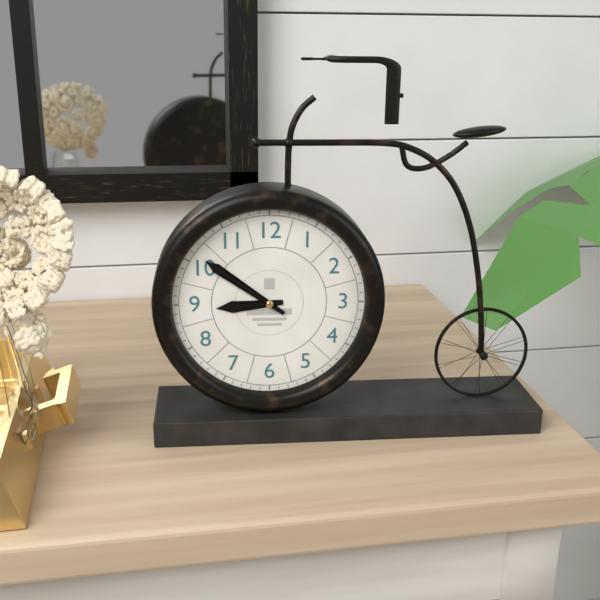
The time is 8 h 51 min
